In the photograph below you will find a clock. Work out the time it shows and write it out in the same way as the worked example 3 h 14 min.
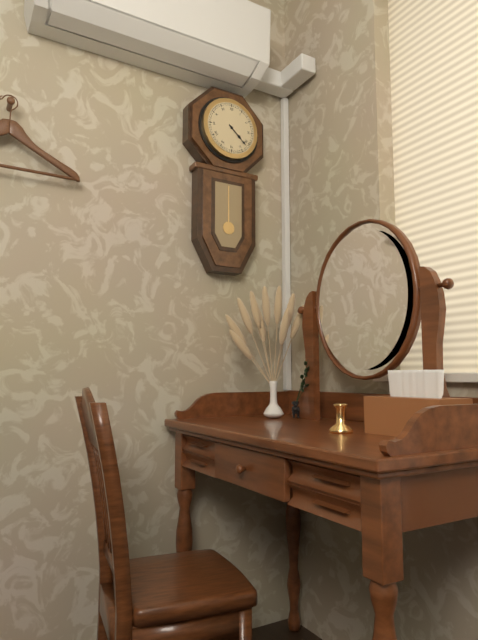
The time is 4 h 22 min
